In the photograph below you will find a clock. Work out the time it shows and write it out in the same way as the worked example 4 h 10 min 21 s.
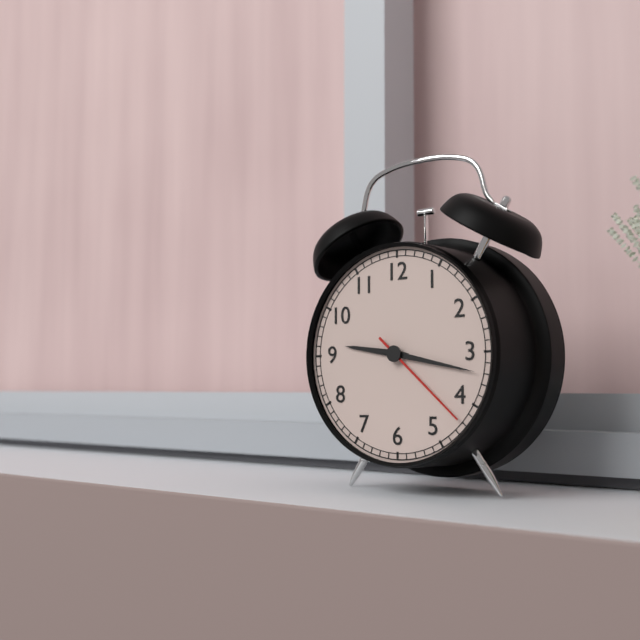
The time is 9 h 17 min 22 s
